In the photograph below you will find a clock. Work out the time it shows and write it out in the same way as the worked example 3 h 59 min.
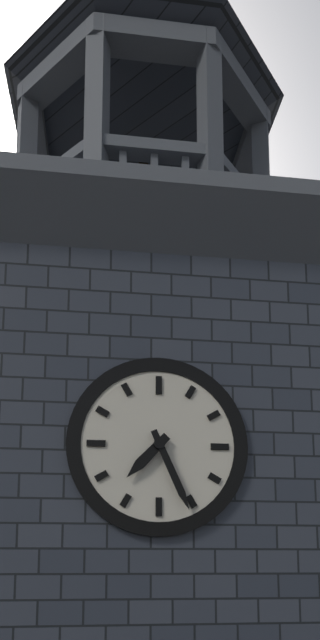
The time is 7 h 26 min
